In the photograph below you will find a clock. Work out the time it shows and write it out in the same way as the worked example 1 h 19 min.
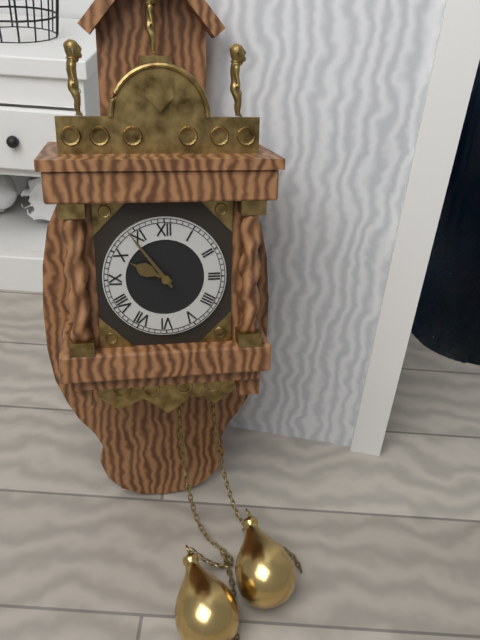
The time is 9 h 54 min
